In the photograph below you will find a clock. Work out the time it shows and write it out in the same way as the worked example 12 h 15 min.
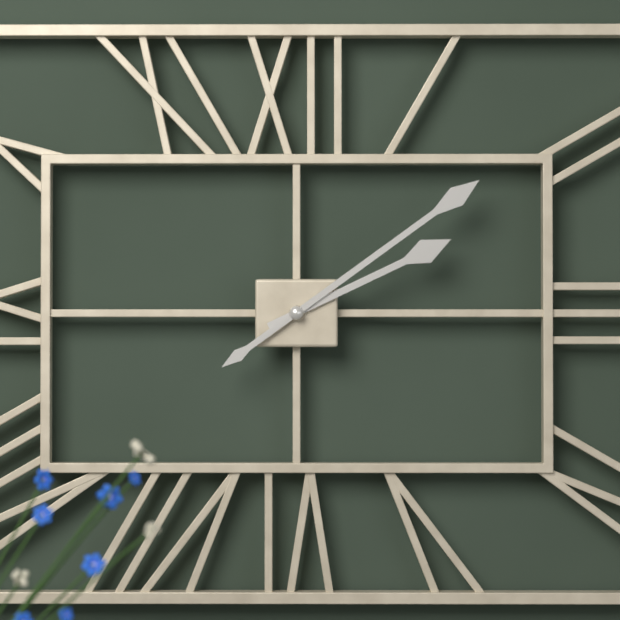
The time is 2 h 09 min
